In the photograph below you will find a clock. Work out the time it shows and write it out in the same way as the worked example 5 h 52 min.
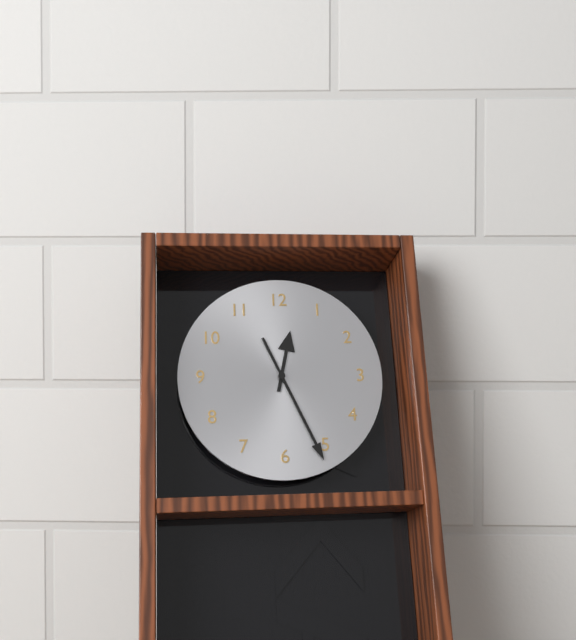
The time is 12 h 26 min
